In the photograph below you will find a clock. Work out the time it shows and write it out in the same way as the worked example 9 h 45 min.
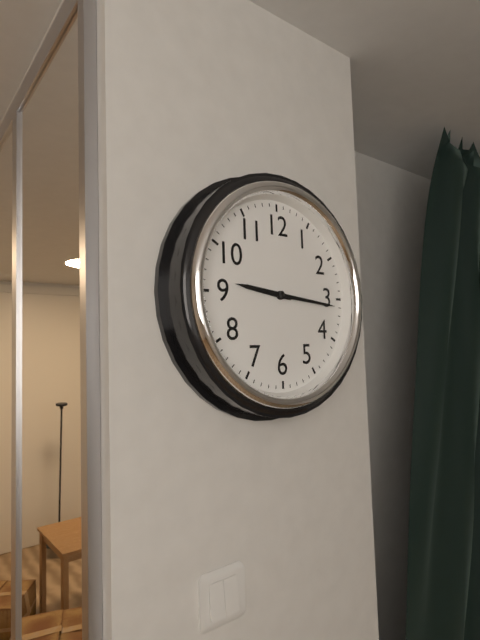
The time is 9 h 16 min
